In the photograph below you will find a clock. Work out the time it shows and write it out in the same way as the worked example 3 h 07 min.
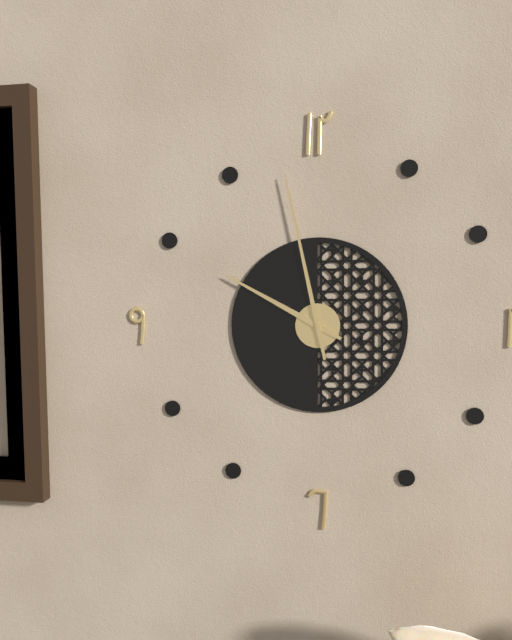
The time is 9 h 58 min
